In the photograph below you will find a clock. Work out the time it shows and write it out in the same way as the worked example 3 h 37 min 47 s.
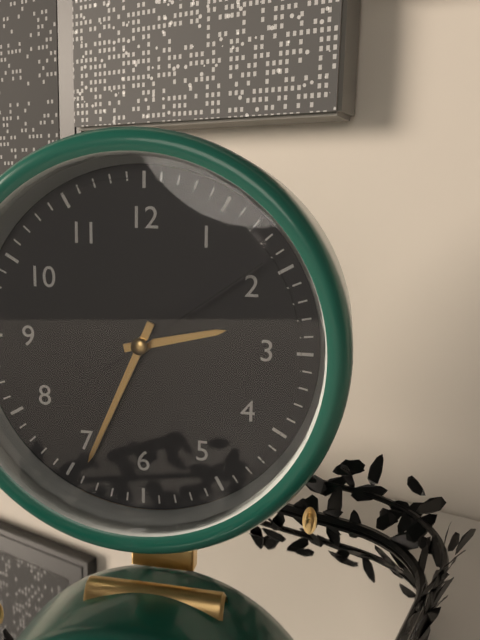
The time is 2 h 34 min 09 s
